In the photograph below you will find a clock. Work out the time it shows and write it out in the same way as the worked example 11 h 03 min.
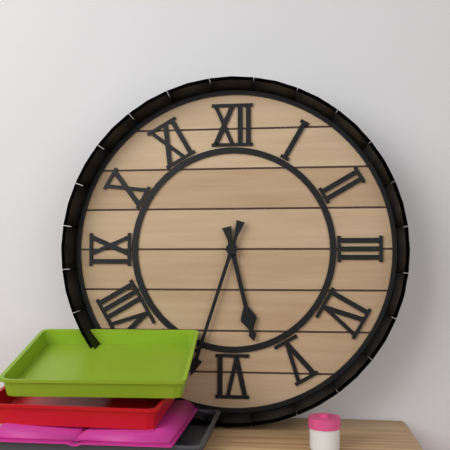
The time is 5 h 33 min
